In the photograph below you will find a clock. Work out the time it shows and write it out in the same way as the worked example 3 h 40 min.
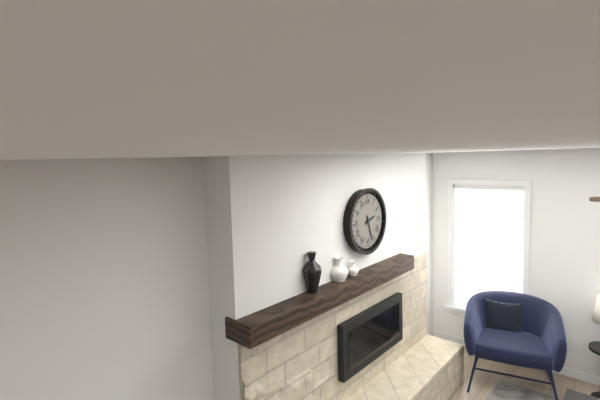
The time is 2 h 27 min
